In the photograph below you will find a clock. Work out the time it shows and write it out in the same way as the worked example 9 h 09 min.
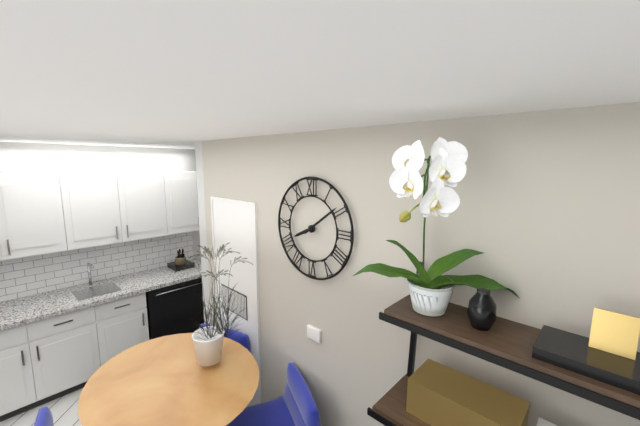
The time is 8 h 09 min
